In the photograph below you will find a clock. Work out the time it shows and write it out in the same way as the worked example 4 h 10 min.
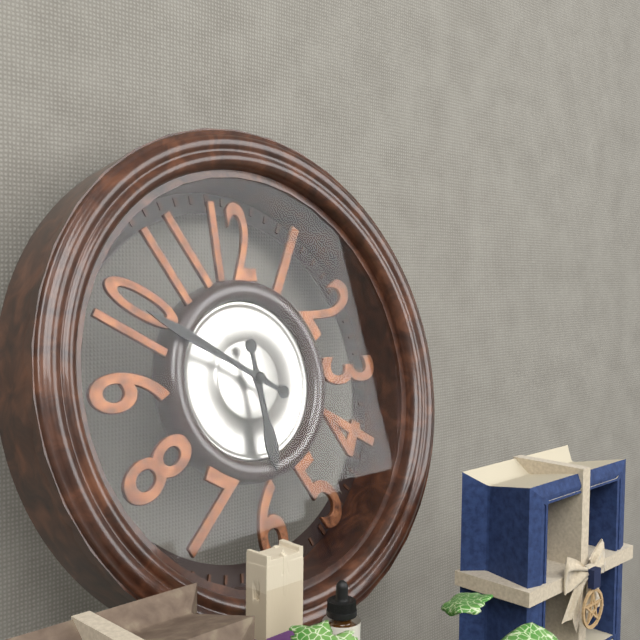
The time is 5 h 50 min
